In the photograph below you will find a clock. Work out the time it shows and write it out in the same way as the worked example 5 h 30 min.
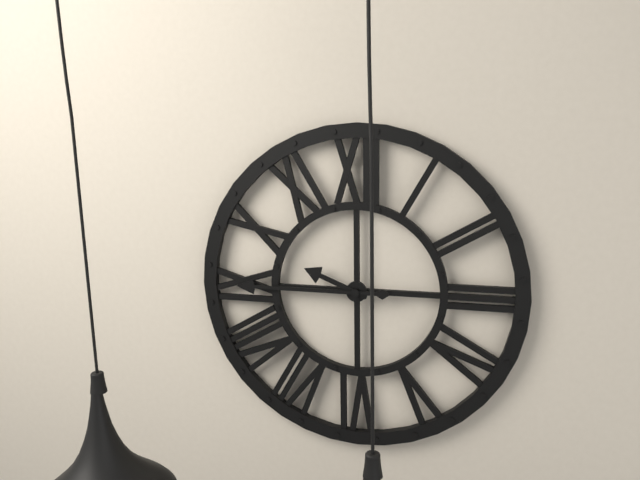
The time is 9 h 45 min
